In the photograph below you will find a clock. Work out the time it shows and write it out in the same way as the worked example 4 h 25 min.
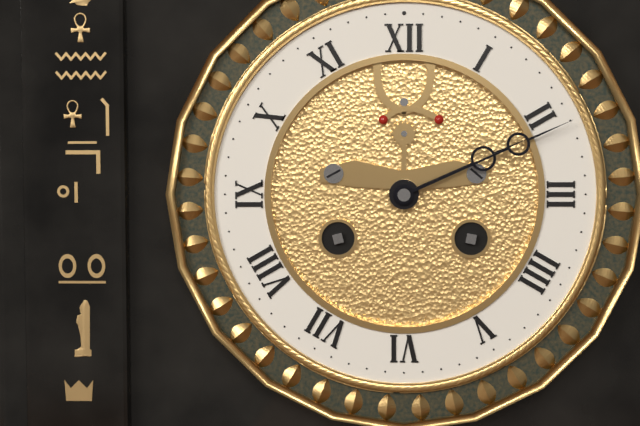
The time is 2 h 11 min
